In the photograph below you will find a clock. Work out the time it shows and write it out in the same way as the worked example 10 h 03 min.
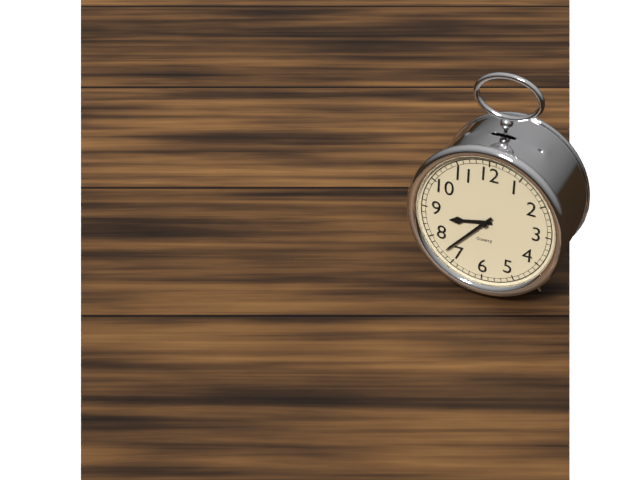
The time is 8 h 37 min
